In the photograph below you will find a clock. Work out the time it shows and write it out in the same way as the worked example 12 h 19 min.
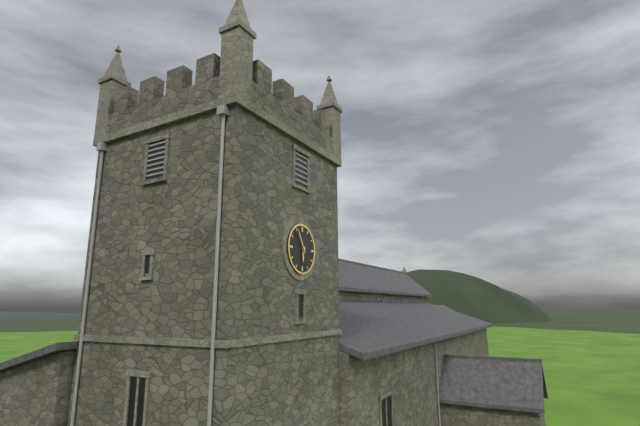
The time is 5 h 55 min
